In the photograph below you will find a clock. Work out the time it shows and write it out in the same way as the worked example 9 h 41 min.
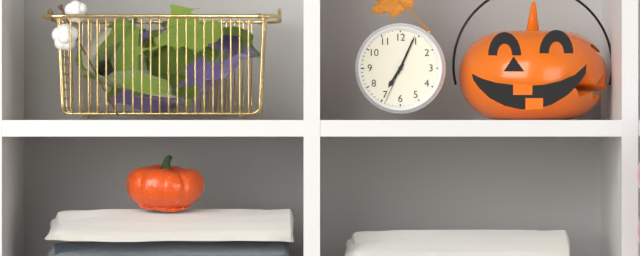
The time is 7 h 04 min
